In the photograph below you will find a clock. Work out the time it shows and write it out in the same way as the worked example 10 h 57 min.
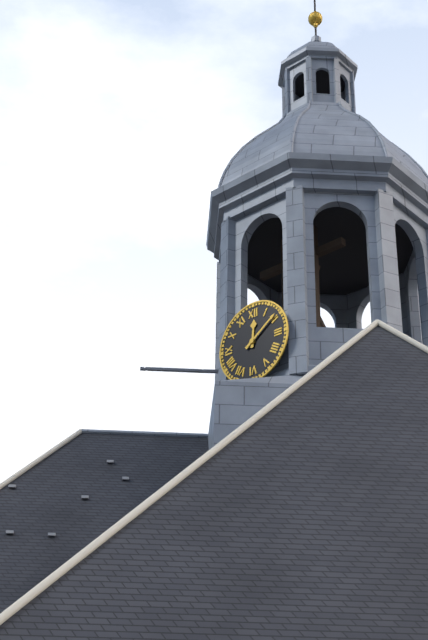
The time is 12 h 09 min
